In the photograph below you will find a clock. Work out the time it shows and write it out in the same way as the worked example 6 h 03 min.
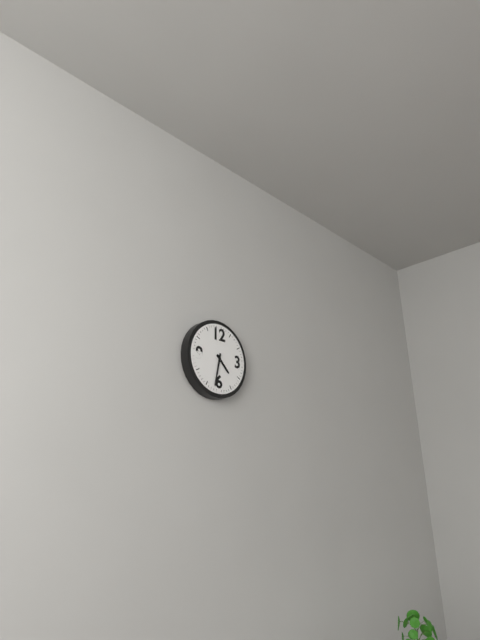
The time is 4 h 32 min
